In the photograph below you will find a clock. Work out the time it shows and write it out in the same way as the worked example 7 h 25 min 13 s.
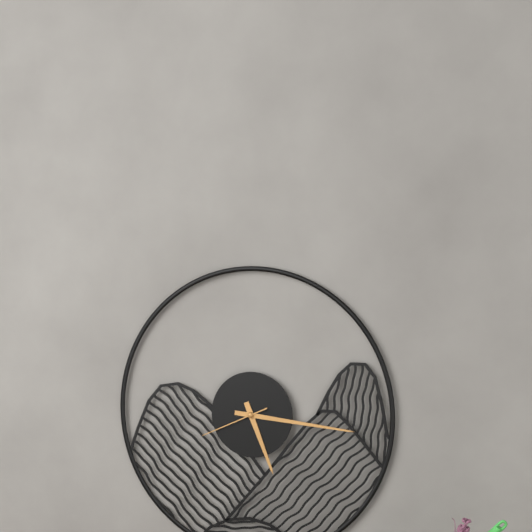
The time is 5 h 16 min 41 s
